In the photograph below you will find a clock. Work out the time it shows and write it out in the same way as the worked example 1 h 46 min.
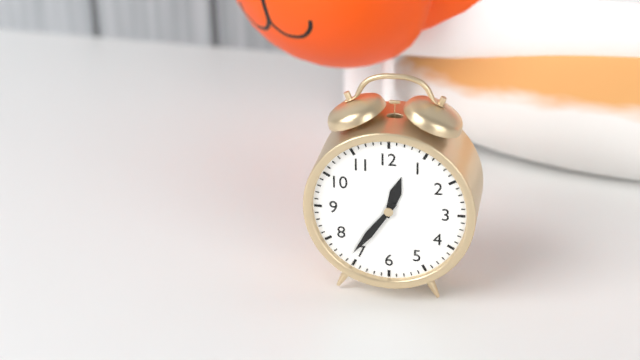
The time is 12 h 36 min
